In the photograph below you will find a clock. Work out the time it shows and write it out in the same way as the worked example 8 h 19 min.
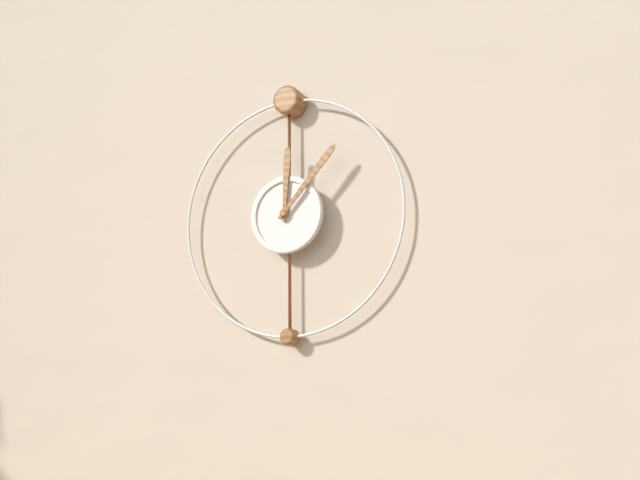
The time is 12 h 07 min
